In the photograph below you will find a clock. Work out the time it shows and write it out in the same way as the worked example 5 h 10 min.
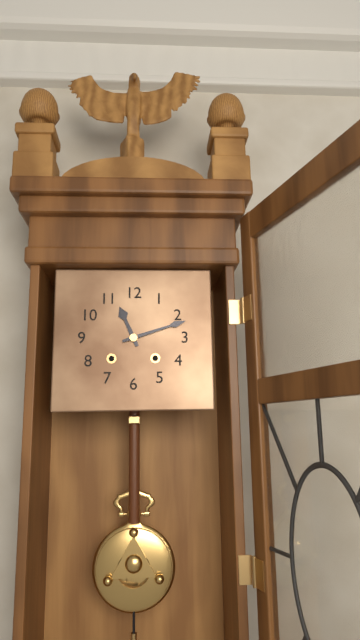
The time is 11 h 12 min
